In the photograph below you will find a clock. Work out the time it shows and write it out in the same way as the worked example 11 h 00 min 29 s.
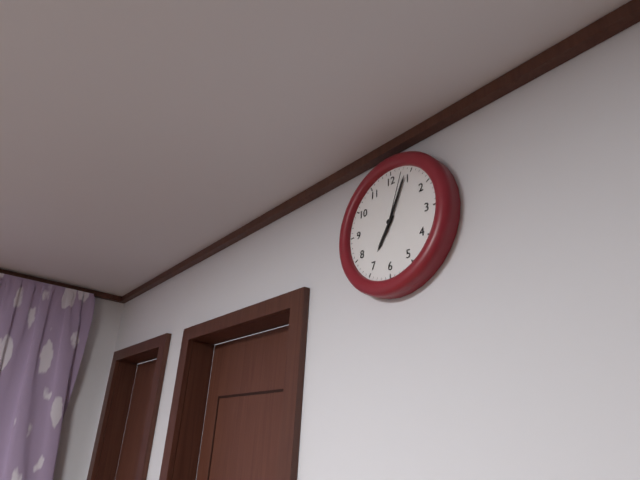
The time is 7 h 04 min 03 s
